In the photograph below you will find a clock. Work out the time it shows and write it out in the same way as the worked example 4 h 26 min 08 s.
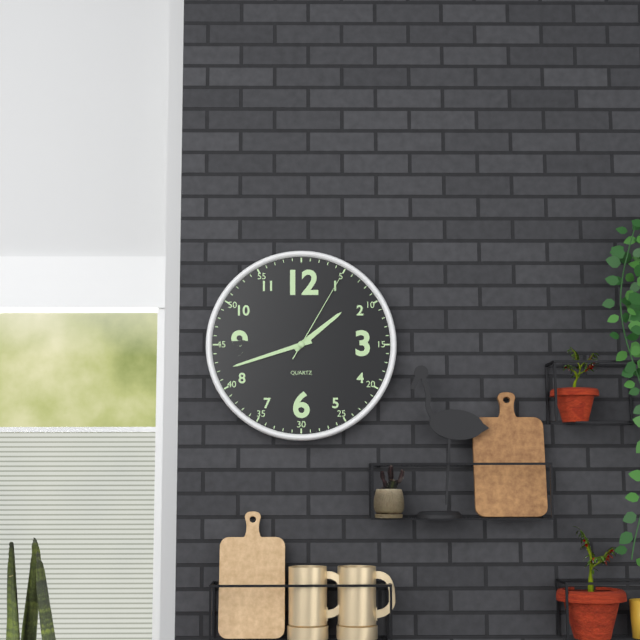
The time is 1 h 42 min 05 s
